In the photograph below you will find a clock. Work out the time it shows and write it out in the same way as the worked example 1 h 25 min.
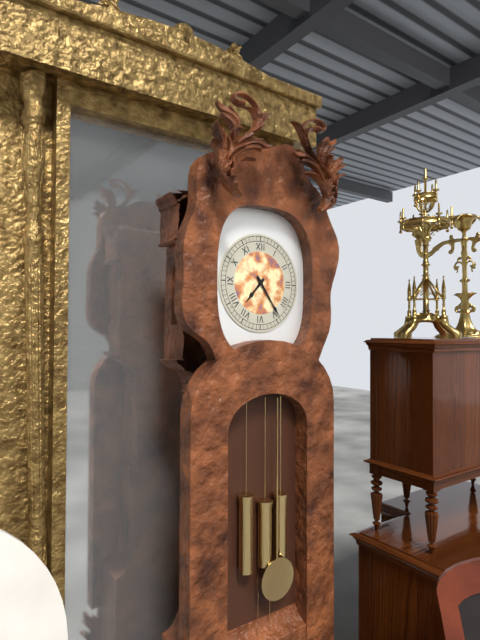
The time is 7 h 24 min
